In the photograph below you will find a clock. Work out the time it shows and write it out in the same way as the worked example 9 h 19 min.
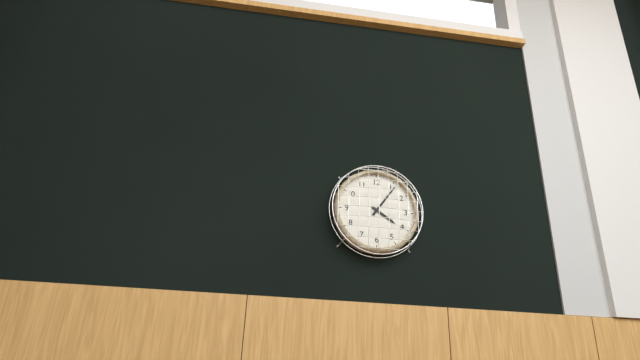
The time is 4 h 06 min
